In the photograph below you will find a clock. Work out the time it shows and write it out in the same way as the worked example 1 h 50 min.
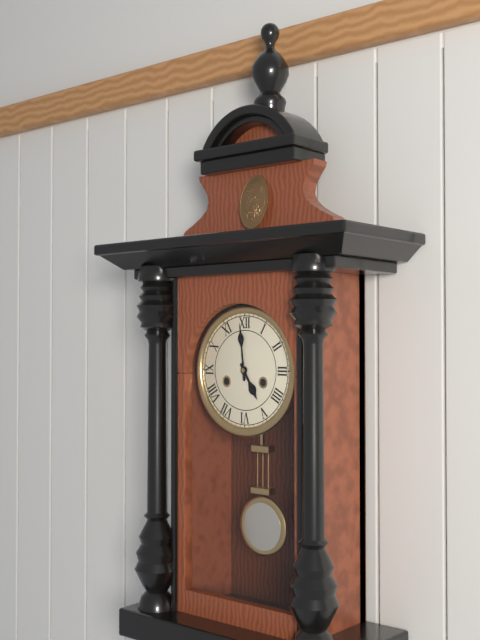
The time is 4 h 59 min
